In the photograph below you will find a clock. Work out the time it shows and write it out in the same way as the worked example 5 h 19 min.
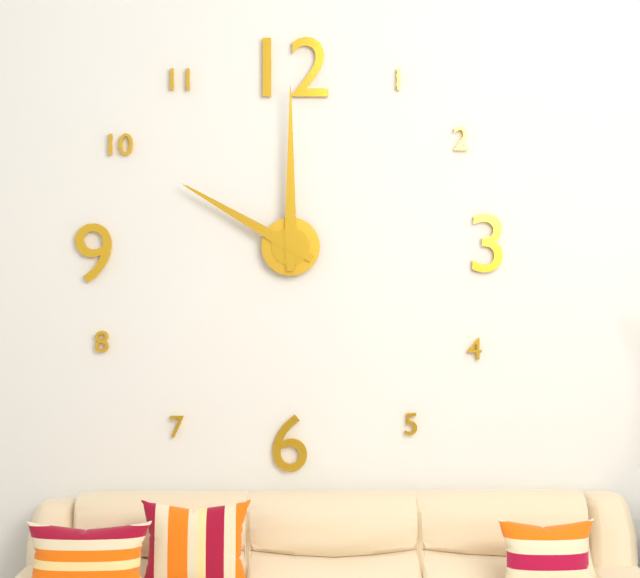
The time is 10 h 00 min
